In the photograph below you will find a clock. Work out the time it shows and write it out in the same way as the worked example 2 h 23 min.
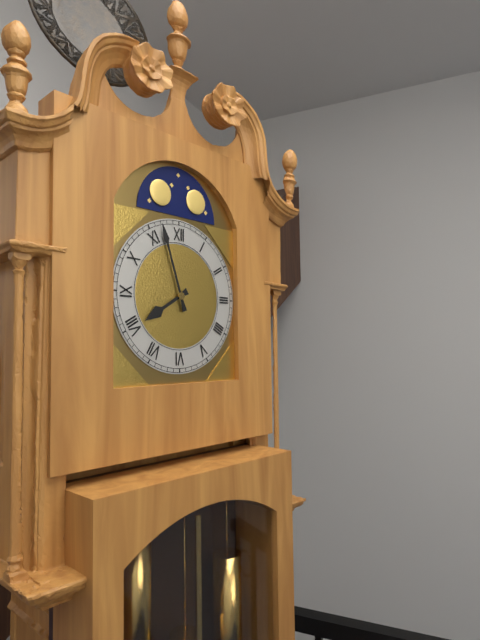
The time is 7 h 57 min
